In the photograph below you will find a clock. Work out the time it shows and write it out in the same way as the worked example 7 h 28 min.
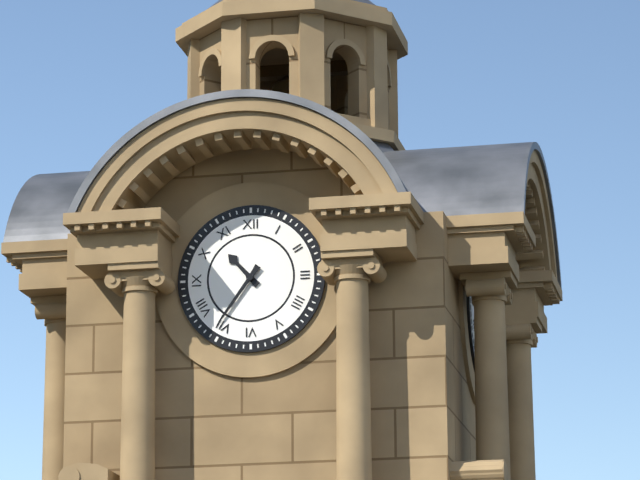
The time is 10 h 36 min
